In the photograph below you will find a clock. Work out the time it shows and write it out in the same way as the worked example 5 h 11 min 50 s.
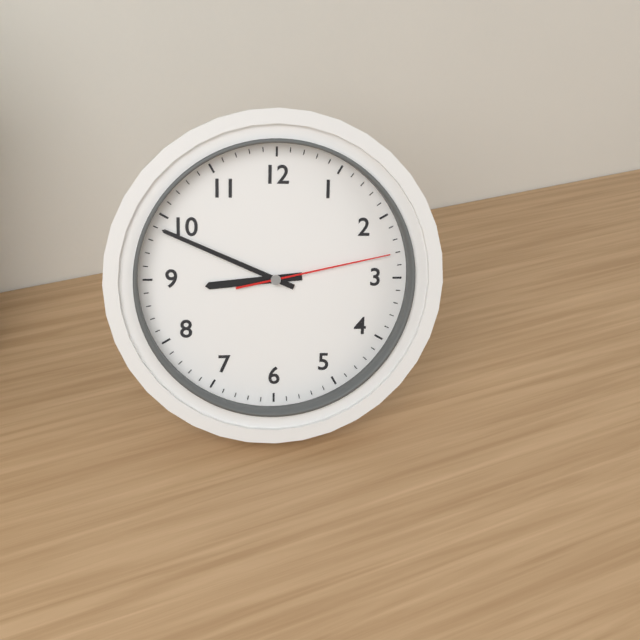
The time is 8 h 49 min 13 s
